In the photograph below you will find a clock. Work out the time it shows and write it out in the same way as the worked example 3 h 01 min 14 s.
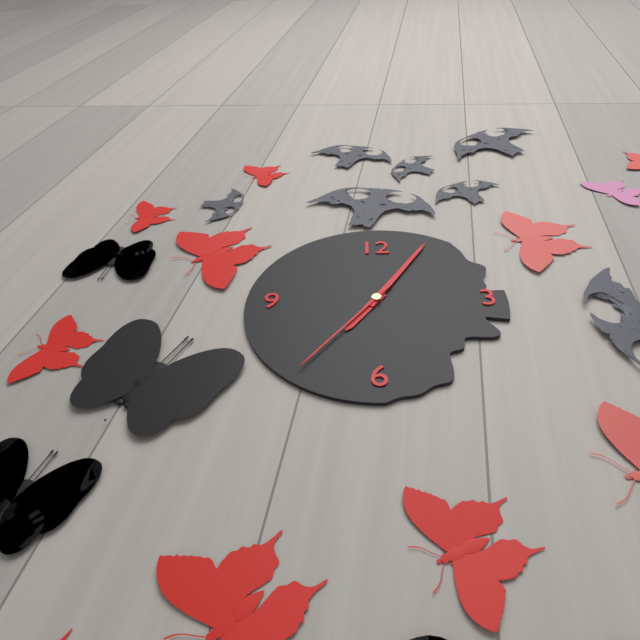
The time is 7 h 05 min 36 s
